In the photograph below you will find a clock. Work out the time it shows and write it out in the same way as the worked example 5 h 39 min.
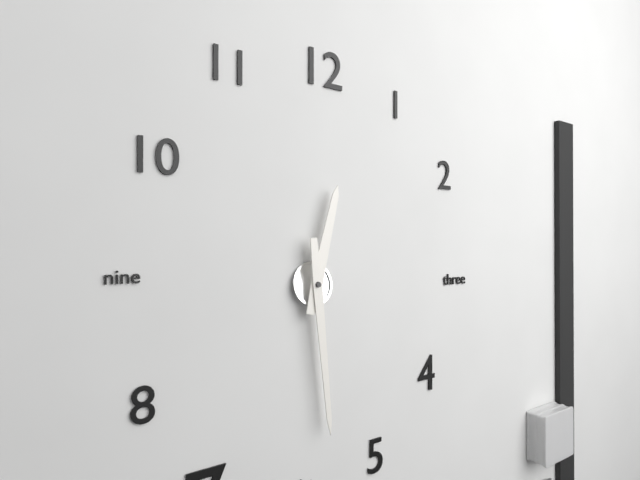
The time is 12 h 29 min
